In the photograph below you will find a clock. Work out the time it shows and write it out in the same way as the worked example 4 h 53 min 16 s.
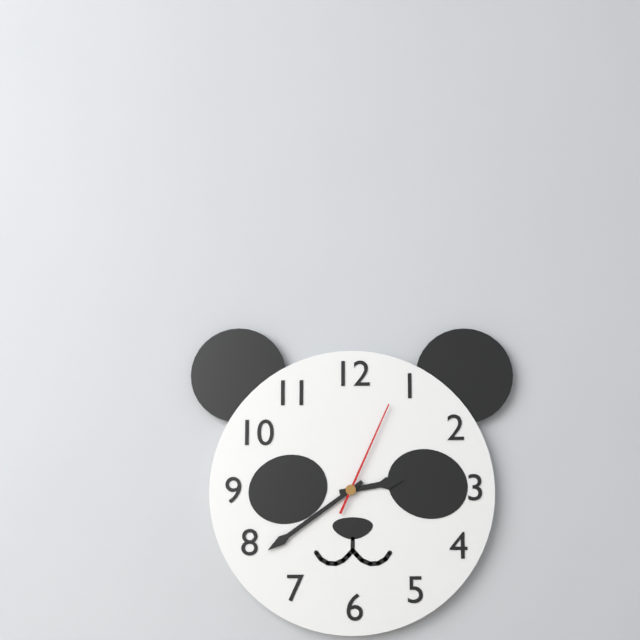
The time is 2 h 39 min 04 s
